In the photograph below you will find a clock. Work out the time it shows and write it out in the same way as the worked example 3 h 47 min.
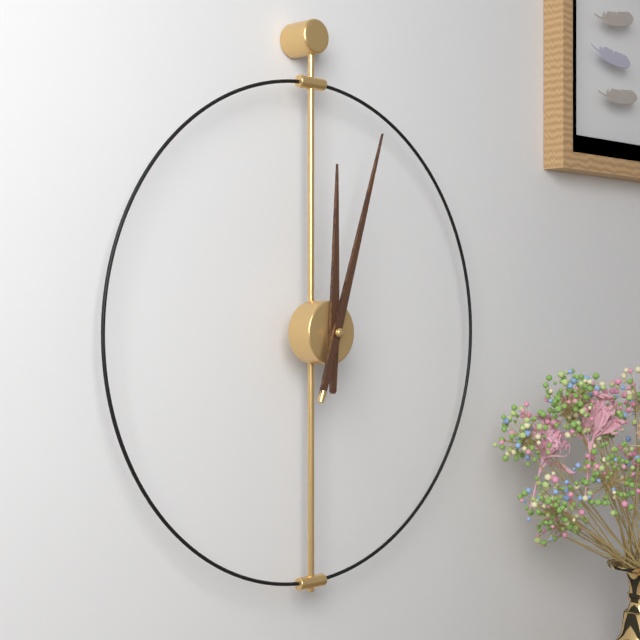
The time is 12 h 03 min
